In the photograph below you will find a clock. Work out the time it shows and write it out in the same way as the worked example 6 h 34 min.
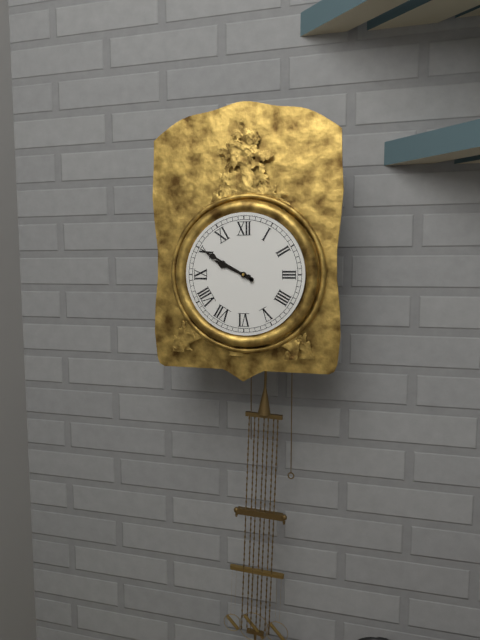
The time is 9 h 50 min
